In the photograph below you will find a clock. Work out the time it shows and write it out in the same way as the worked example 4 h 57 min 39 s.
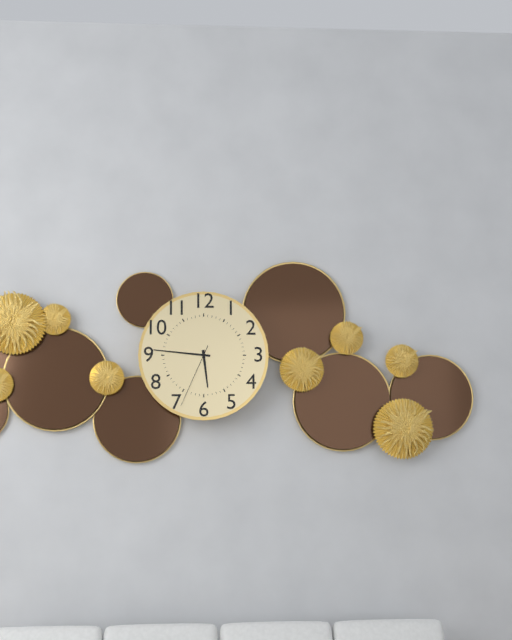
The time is 5 h 46 min 34 s
